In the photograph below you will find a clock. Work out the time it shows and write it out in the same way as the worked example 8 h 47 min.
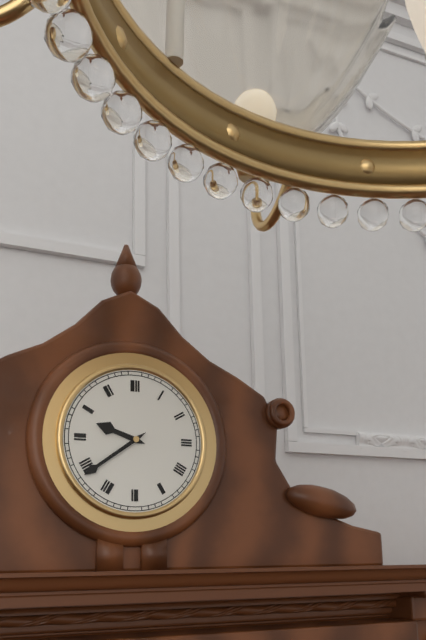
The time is 9 h 39 min
